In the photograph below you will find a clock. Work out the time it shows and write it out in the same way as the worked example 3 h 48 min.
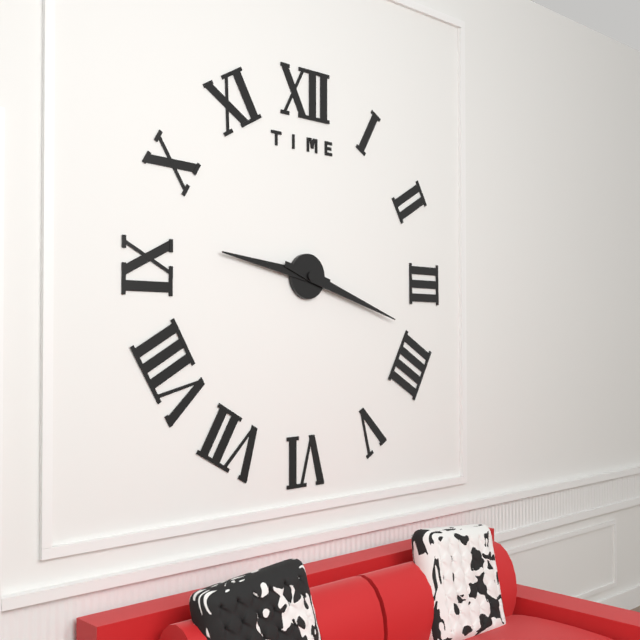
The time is 9 h 18 min
